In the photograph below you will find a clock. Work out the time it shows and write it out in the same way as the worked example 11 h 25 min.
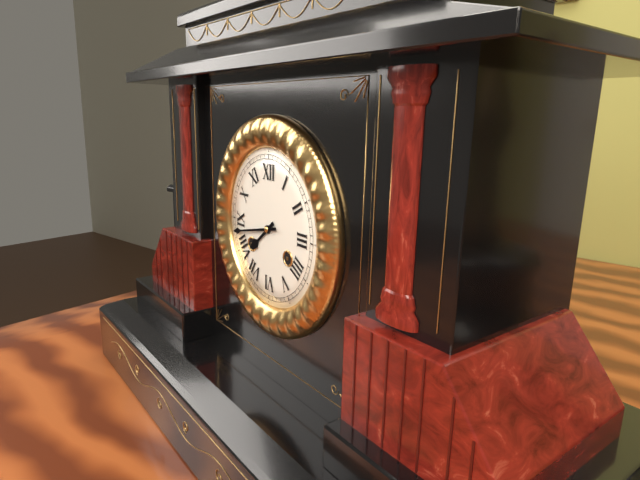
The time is 7 h 43 min
